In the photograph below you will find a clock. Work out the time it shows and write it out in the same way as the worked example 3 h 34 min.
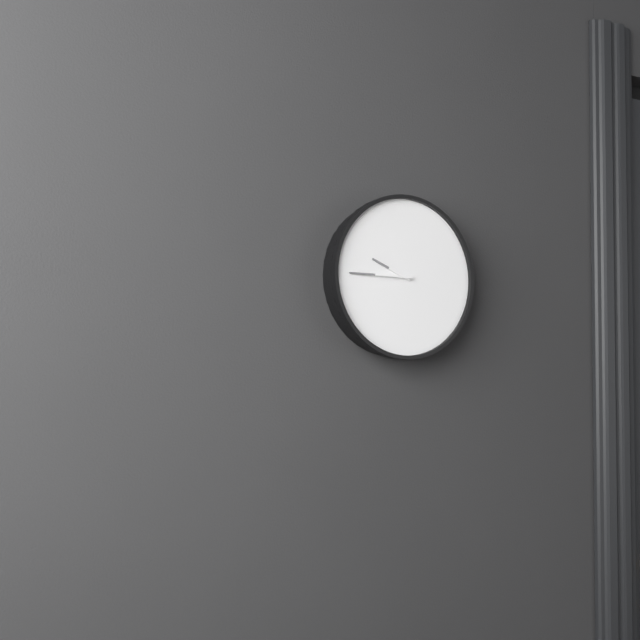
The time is 9 h 45 min
